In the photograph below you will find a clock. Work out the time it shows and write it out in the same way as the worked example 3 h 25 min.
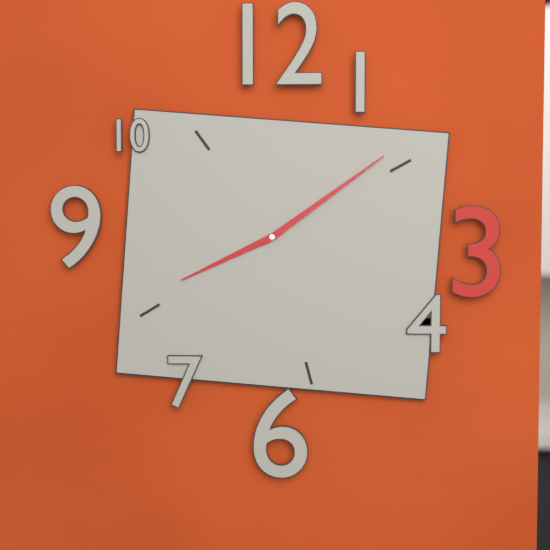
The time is 8 h 09 min
